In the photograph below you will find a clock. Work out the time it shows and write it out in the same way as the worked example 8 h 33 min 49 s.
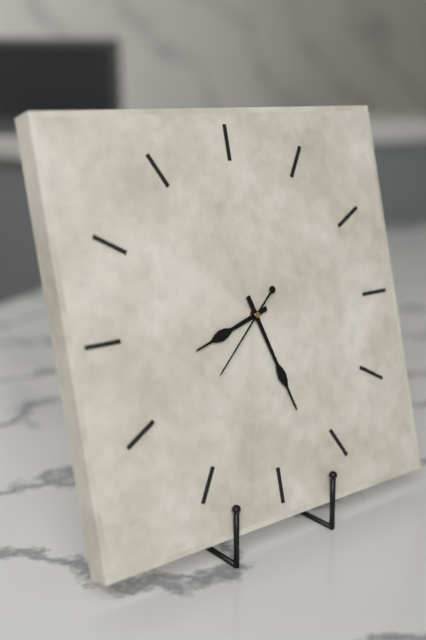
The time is 8 h 27 min 38 s
